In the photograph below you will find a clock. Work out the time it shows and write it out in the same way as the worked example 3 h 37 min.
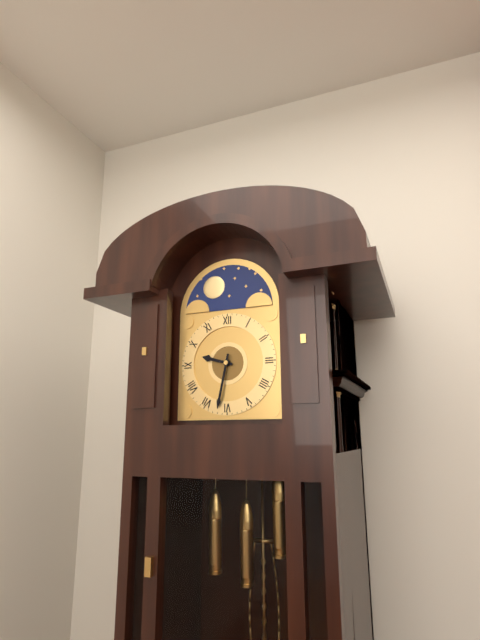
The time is 9 h 32 min
